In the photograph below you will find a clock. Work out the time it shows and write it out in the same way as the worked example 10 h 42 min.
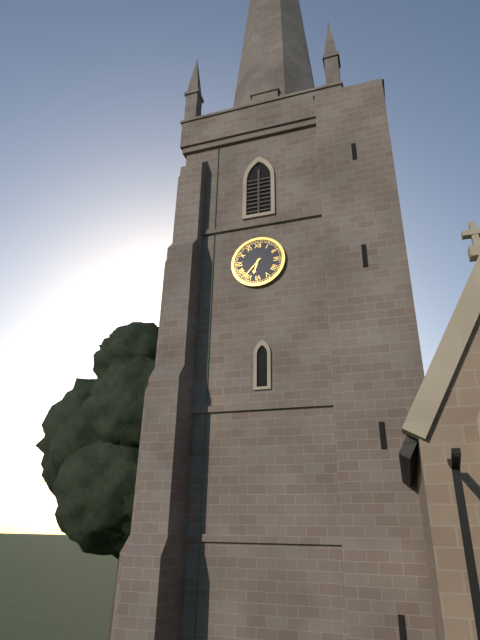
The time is 6 h 37 min
